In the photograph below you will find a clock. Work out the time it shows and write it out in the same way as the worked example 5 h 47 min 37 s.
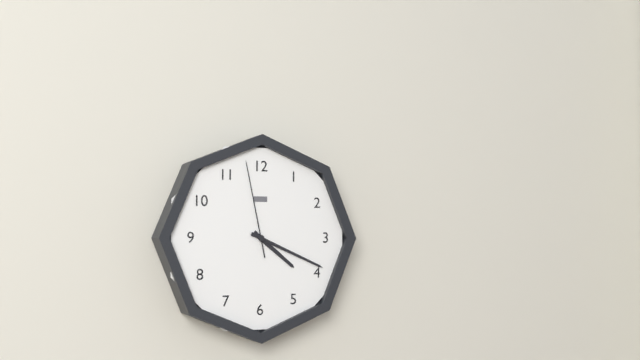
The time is 4 h 19 min 58 s
